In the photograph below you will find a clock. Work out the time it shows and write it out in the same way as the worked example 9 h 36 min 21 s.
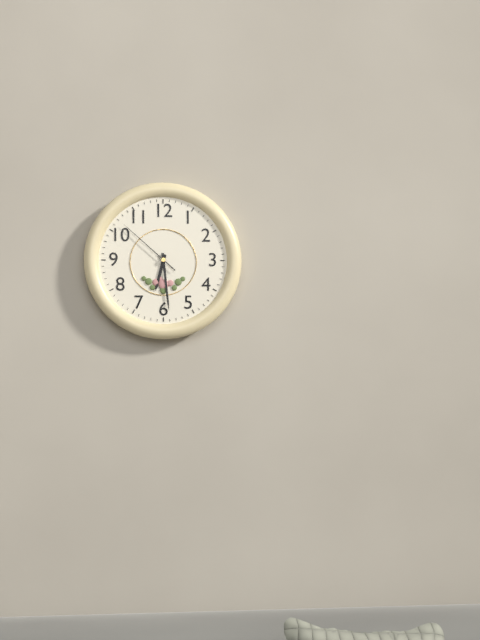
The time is 6 h 29 min 52 s
